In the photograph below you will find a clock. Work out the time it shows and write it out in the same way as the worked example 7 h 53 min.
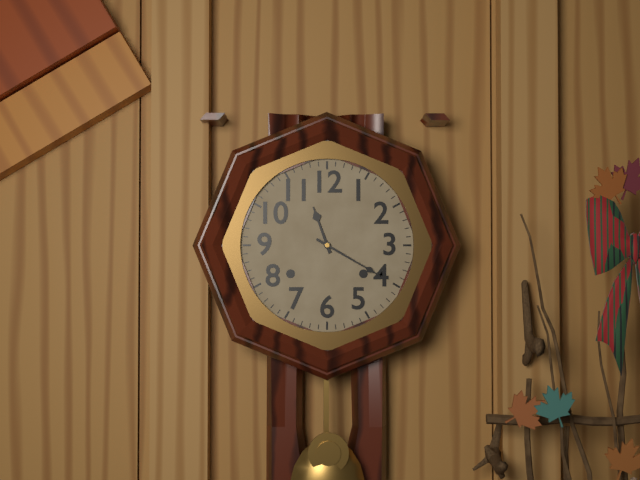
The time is 11 h 20 min
